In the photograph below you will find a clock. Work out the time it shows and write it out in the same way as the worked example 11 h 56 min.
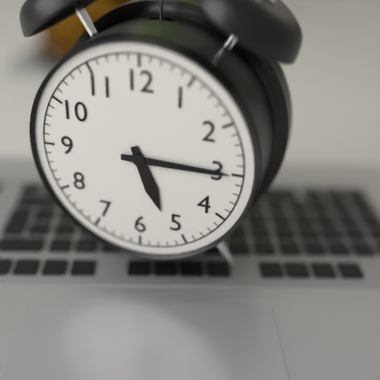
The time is 5 h 15 min
